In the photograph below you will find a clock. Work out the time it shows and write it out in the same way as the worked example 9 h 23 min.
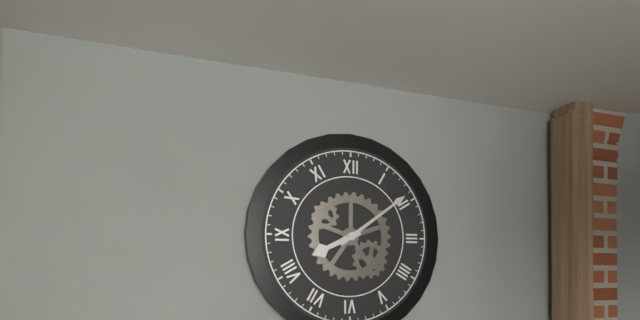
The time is 8 h 09 min
